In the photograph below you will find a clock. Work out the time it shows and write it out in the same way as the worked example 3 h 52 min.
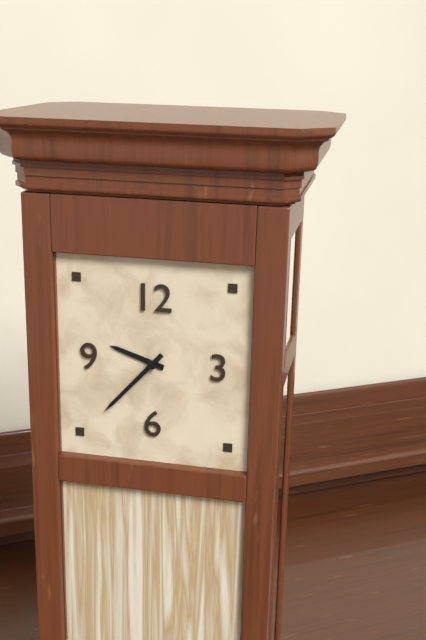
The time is 9 h 37 min
